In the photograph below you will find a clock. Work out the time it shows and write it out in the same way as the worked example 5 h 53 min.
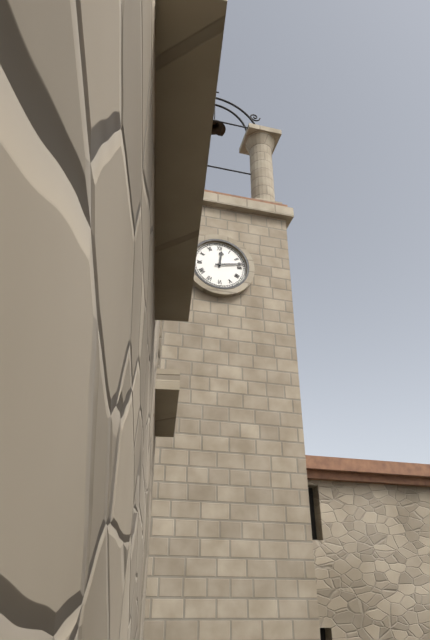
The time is 12 h 13 min
